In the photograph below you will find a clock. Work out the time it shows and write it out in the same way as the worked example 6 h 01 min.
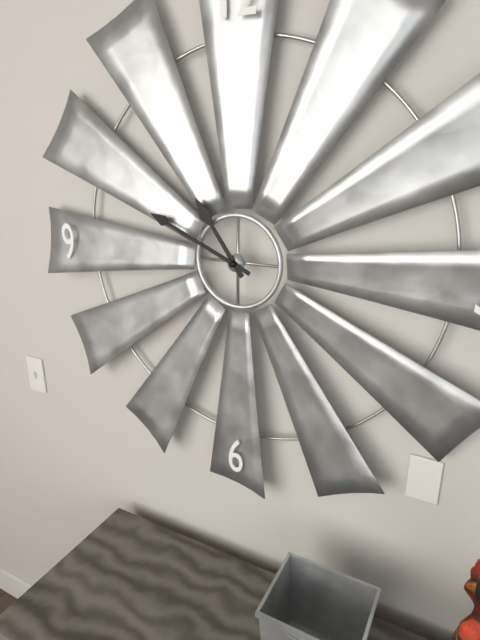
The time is 10 h 49 min
